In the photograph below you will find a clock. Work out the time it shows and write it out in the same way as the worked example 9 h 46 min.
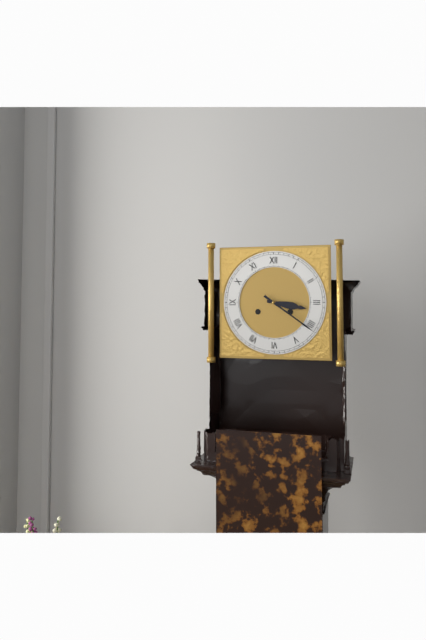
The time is 3 h 21 min
